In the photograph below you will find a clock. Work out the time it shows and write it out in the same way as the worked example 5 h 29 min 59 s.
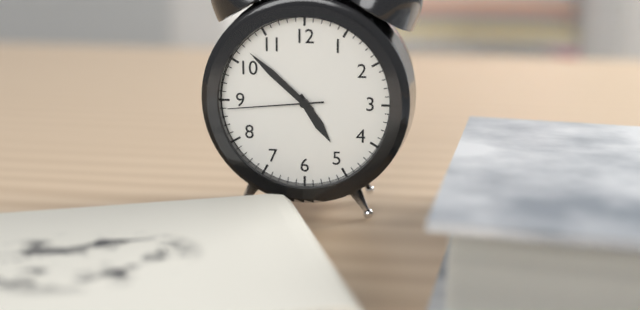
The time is 4 h 52 min 44 s
